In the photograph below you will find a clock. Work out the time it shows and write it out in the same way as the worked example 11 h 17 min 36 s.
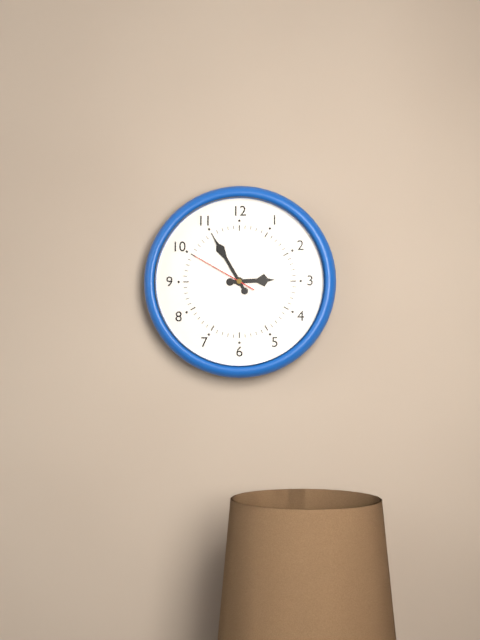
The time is 2 h 55 min 50 s
